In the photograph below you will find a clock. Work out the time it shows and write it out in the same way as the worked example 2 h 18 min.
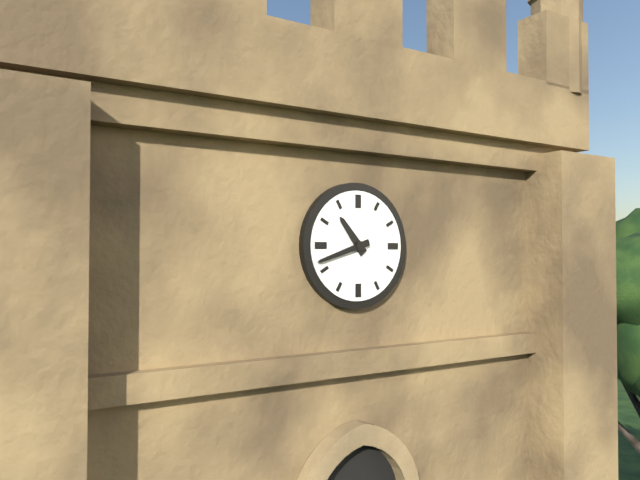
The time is 10 h 42 min
